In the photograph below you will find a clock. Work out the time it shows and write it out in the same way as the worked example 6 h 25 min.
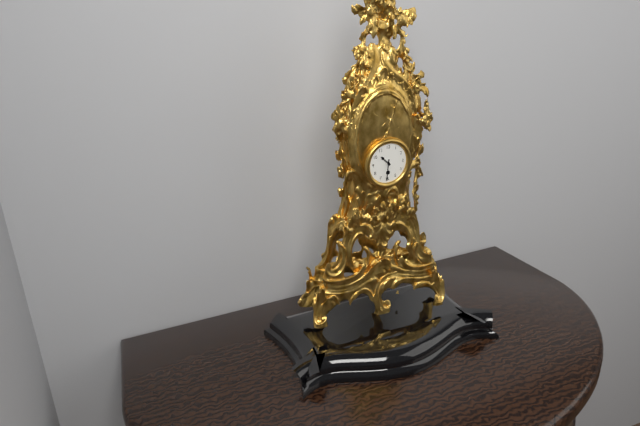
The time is 10 h 31 min
